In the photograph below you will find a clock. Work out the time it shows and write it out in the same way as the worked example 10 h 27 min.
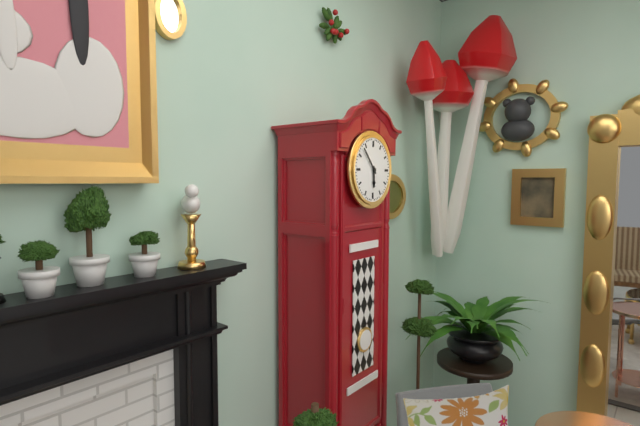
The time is 5 h 53 min
